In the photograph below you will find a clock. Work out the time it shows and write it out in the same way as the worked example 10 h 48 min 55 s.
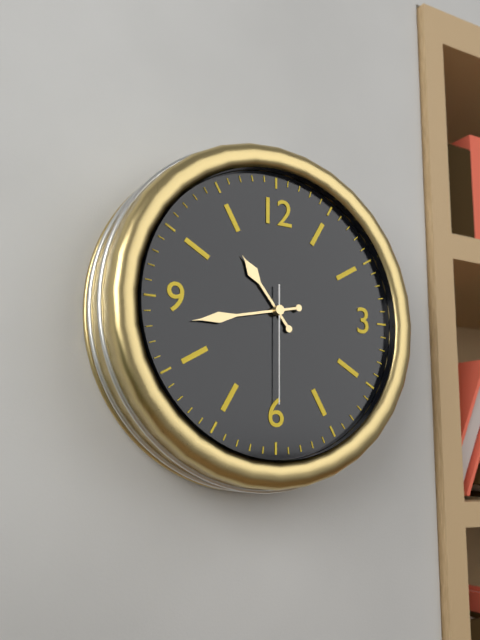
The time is 10 h 43 min 30 s
